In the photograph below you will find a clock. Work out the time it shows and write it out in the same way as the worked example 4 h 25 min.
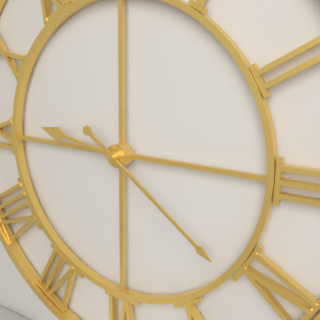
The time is 9 h 21 min
